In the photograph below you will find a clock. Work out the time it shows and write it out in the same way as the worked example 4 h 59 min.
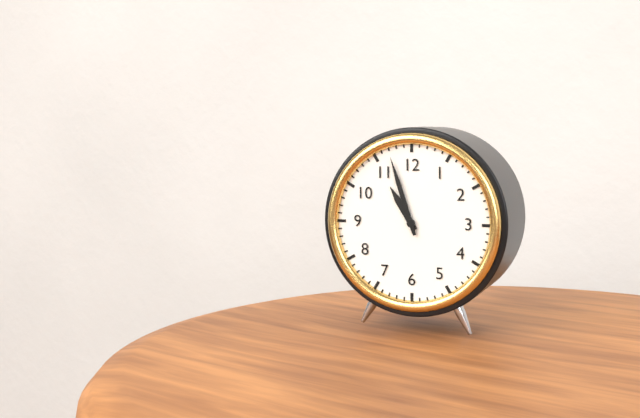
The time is 10 h 57 min
